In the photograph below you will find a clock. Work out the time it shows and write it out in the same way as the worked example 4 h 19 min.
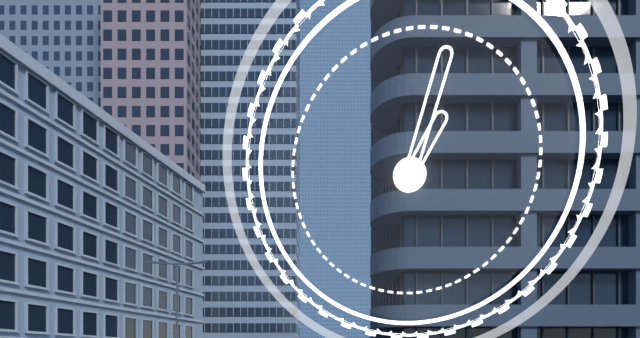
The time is 1 h 03 min
